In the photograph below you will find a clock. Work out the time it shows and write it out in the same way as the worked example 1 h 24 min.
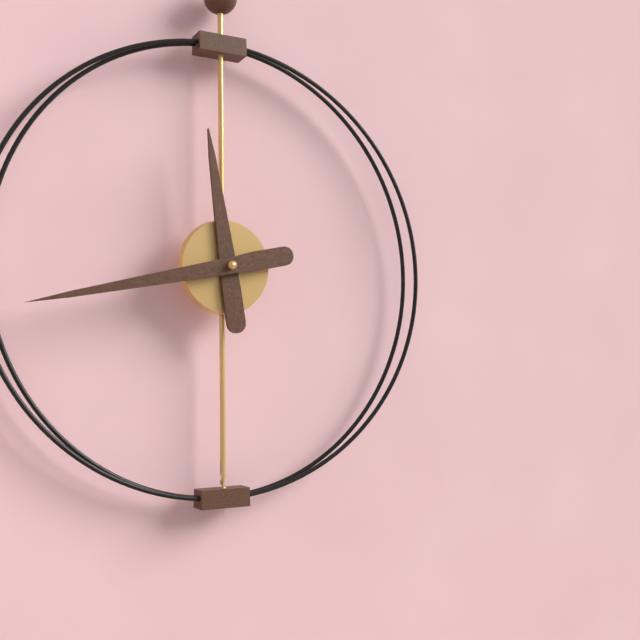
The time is 11 h 43 min
